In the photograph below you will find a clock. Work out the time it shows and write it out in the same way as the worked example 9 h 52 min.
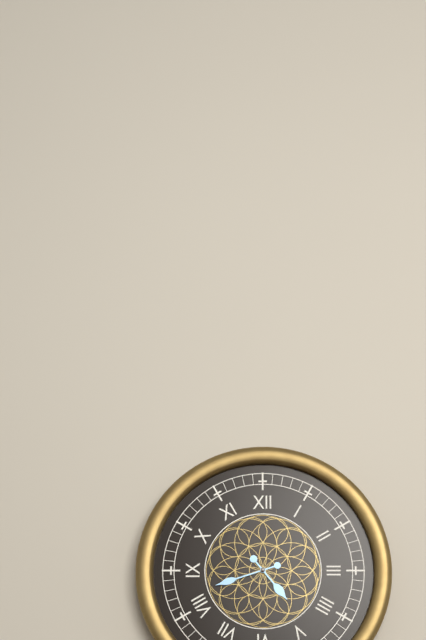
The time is 4 h 42 min
